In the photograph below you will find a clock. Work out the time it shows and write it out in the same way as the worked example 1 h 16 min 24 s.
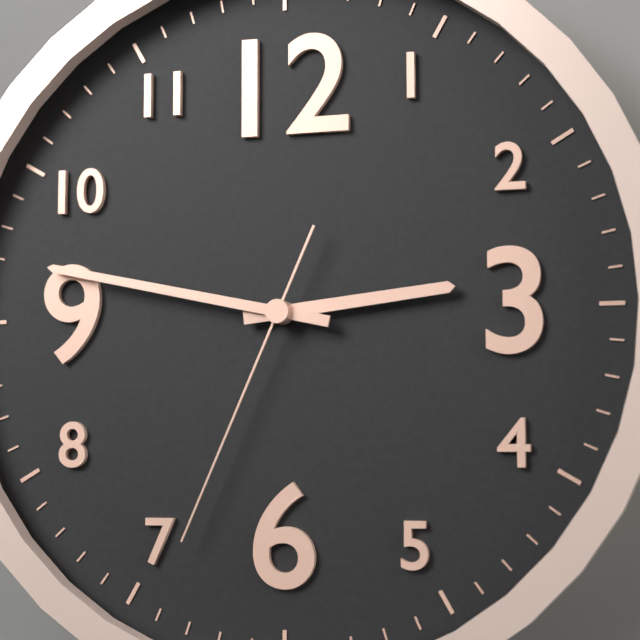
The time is 2 h 47 min 34 s
